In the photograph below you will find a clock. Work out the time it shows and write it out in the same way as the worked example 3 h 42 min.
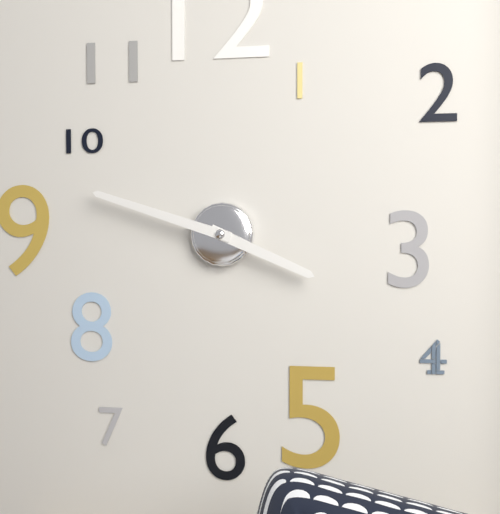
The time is 3 h 48 min
